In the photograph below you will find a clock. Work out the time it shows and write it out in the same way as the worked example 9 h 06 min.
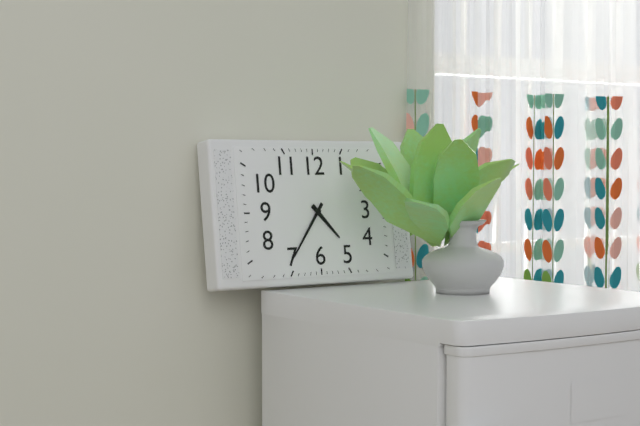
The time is 4 h 36 min
